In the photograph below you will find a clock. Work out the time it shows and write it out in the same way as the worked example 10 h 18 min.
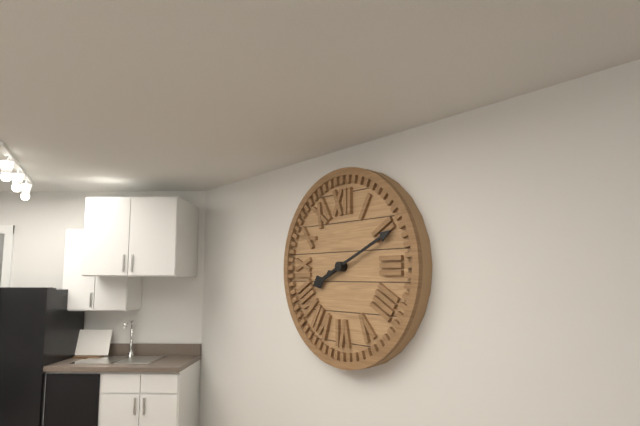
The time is 8 h 11 min
